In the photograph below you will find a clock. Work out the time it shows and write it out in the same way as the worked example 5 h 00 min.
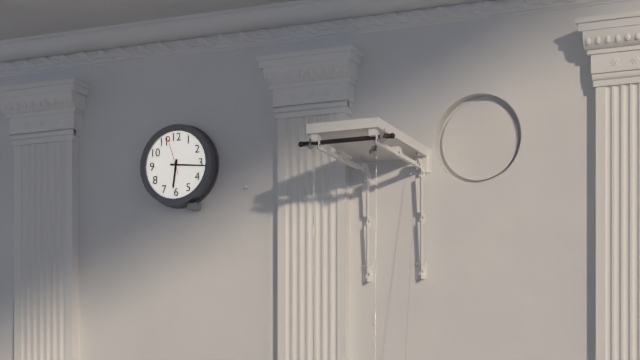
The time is 6 h 16 min
